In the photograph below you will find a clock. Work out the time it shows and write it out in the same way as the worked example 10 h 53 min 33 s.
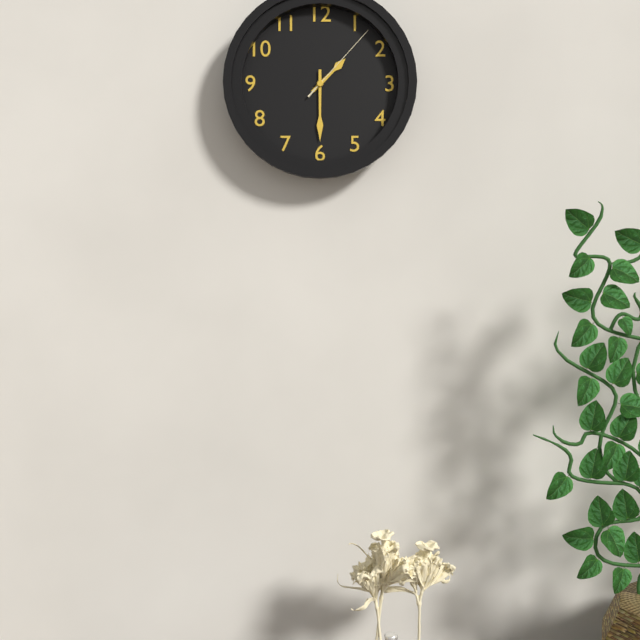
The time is 1 h 30 min 07 s
